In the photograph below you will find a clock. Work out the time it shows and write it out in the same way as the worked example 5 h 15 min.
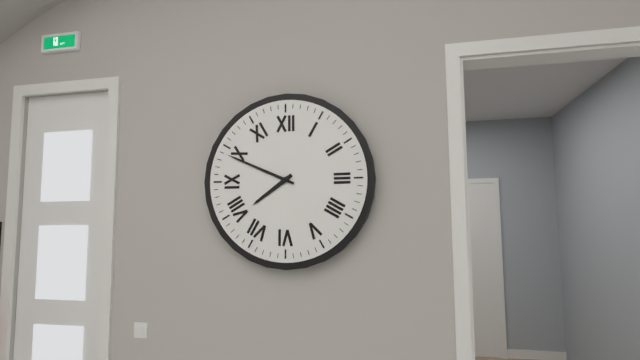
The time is 7 h 49 min
